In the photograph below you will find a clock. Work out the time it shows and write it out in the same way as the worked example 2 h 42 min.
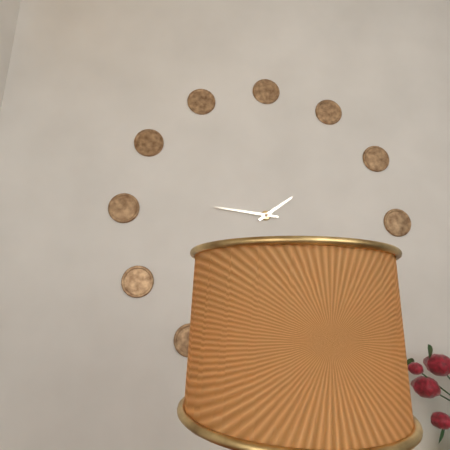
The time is 1 h 46 min
